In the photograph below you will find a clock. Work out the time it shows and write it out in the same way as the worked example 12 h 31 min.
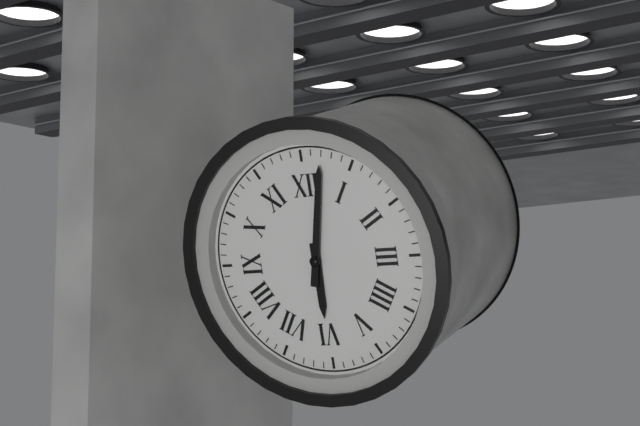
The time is 6 h 02 min
